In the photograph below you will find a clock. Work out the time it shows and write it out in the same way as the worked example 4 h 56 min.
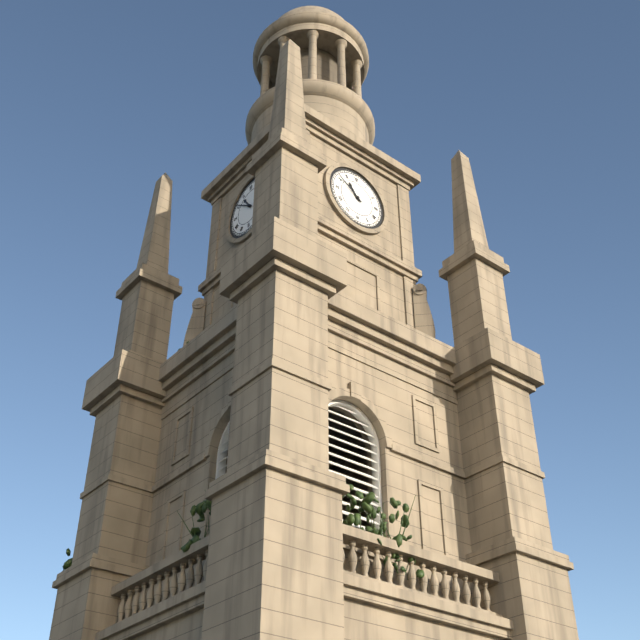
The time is 10 h 51 min
